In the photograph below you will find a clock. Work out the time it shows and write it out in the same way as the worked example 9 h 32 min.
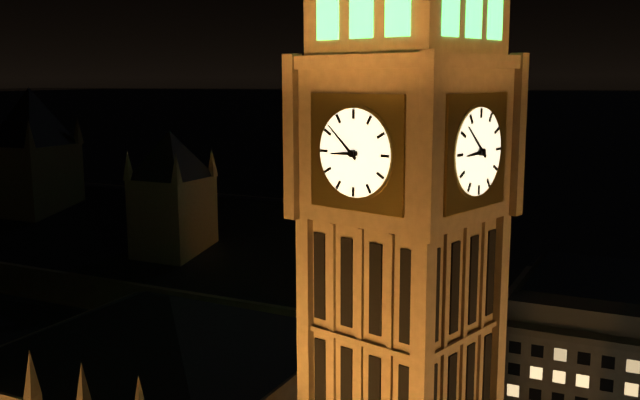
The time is 8 h 52 min
